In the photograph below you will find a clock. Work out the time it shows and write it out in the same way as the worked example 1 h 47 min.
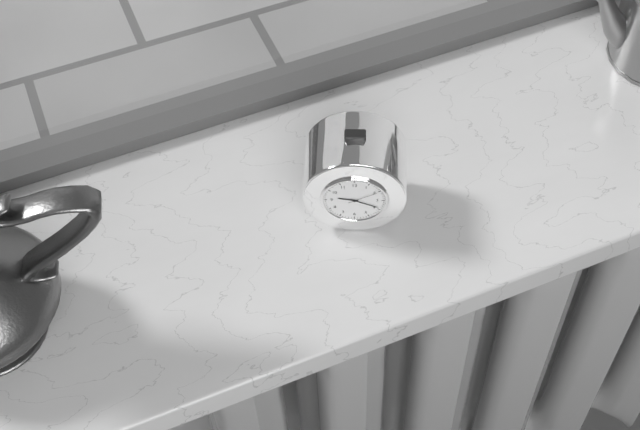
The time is 9 h 19 min
